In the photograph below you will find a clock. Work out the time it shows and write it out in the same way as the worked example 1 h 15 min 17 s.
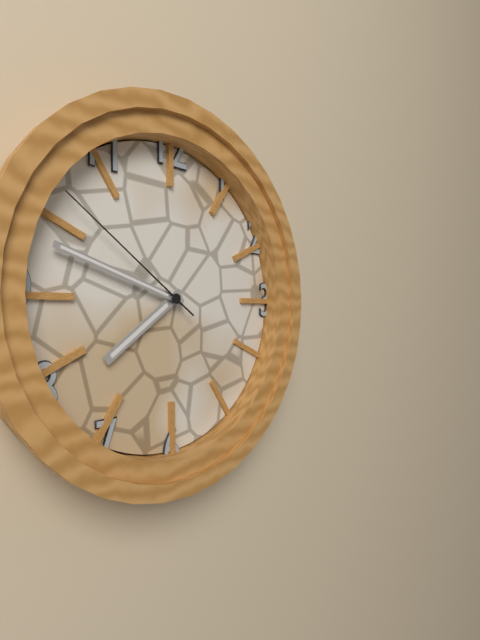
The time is 7 h 48 min 51 s
